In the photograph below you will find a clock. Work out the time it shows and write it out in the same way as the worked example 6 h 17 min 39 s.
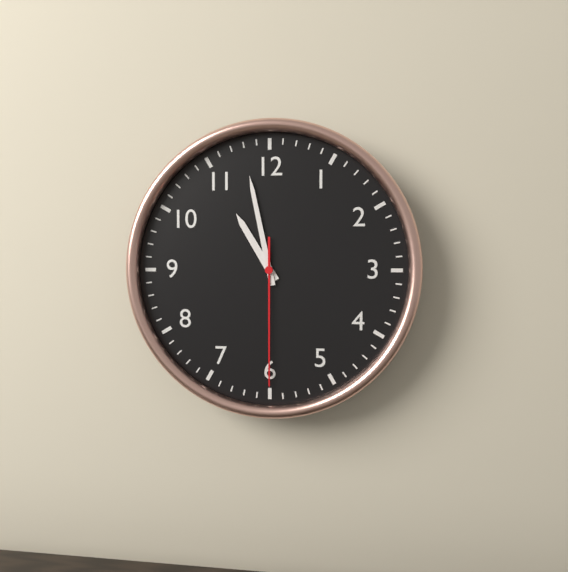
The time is 10 h 58 min 30 s
